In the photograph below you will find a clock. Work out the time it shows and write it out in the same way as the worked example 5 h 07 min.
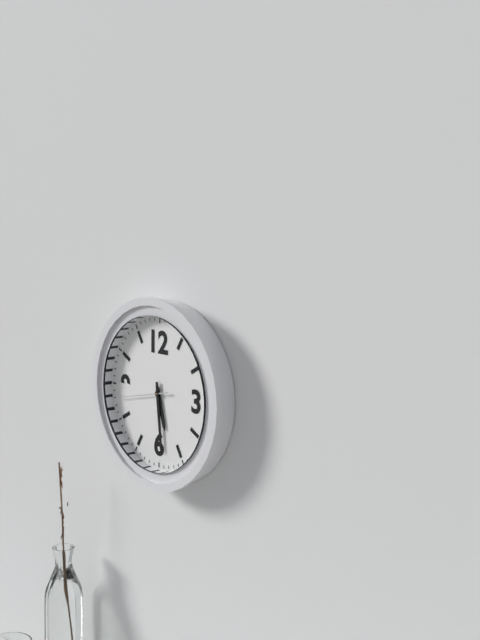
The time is 5 h 29 min
